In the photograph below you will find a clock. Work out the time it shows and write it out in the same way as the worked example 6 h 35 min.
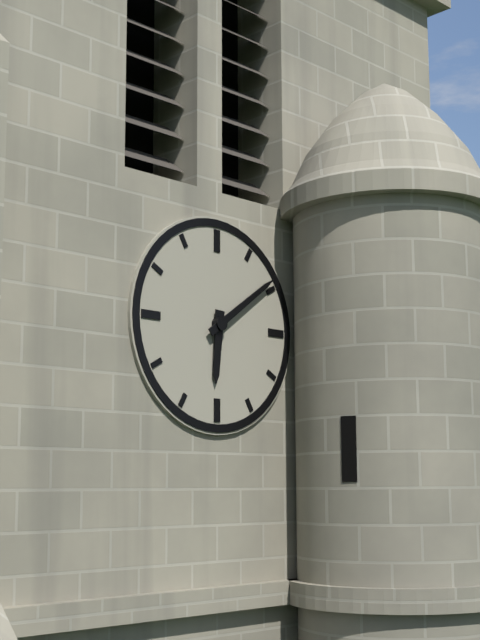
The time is 6 h 09 min
